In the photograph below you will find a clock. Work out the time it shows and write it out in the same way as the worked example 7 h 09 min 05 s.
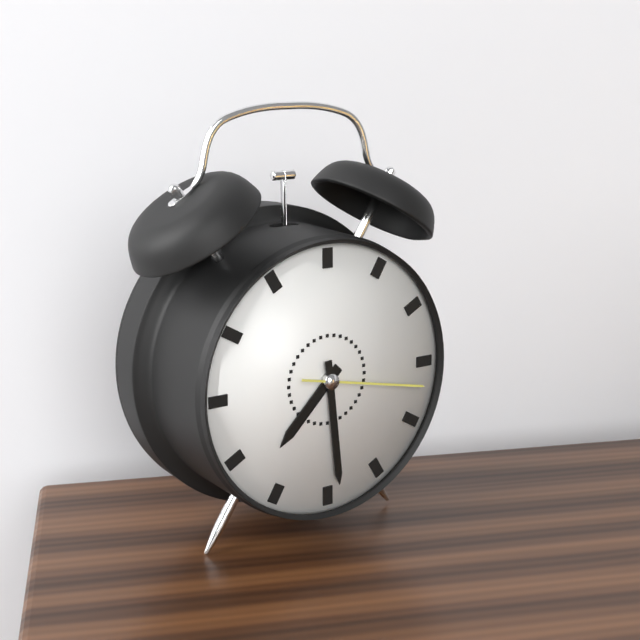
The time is 7 h 29 min 17 s
